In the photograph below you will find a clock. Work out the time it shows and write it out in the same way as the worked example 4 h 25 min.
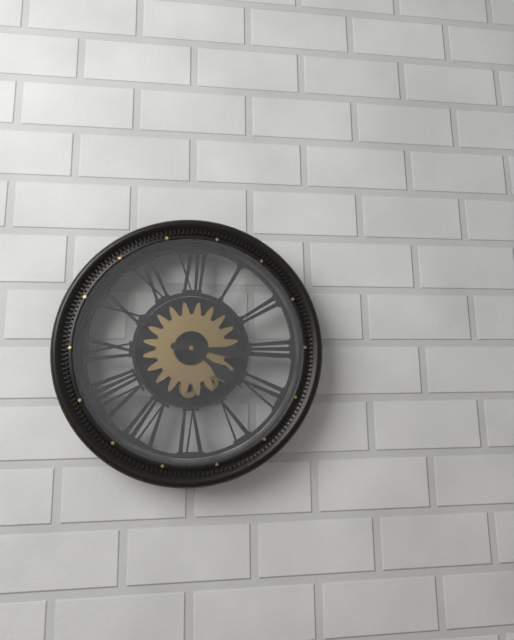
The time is 4 h 16 min
